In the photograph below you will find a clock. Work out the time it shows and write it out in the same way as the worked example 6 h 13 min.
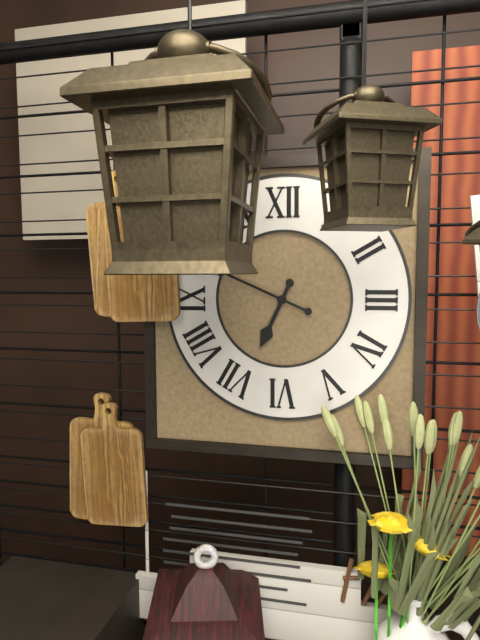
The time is 6 h 49 min
